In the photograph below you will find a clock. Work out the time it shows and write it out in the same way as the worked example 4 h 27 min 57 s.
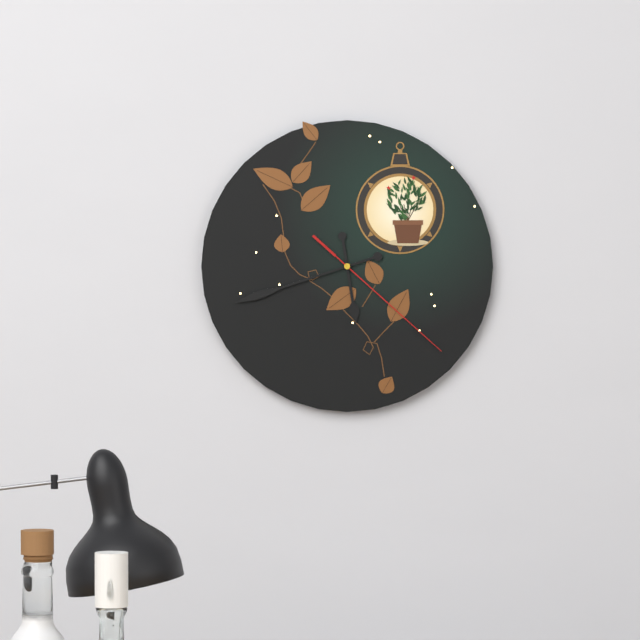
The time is 5 h 42 min 22 s
